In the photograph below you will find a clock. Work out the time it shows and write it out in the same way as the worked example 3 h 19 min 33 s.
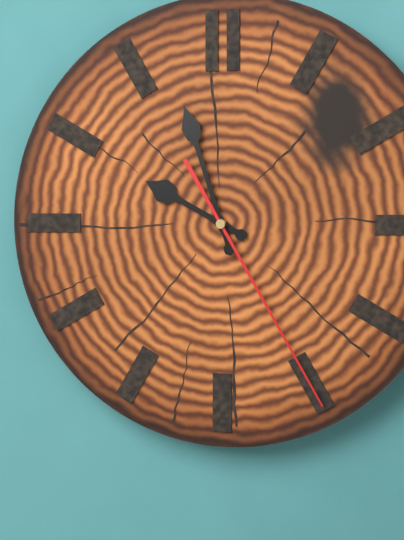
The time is 9 h 57 min 25 s
